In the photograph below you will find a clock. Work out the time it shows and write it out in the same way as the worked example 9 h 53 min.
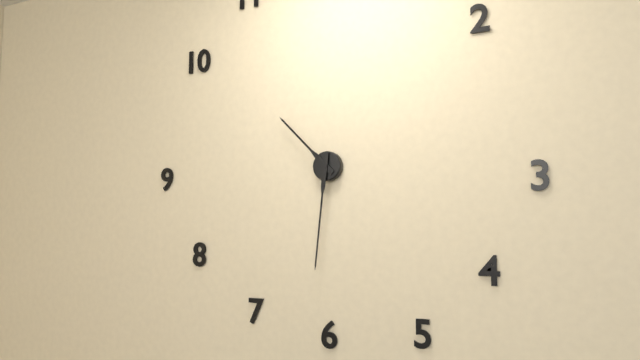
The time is 10 h 31 min
